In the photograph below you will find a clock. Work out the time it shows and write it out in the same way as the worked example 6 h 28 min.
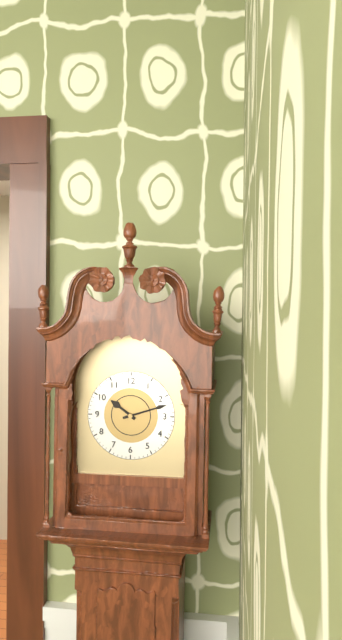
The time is 10 h 12 min
